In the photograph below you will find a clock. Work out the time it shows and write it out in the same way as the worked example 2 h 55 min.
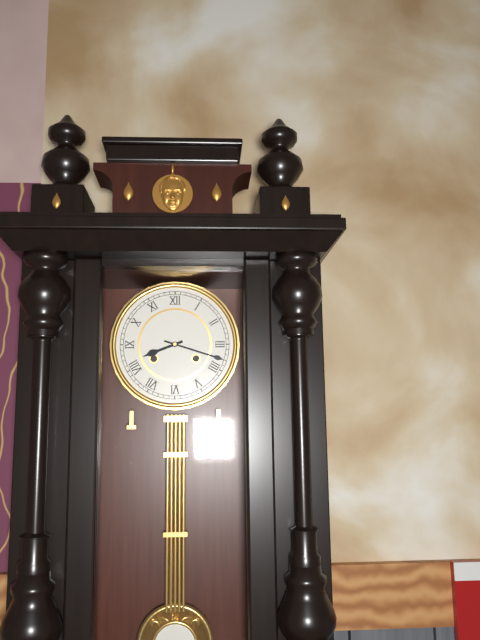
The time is 8 h 18 min
